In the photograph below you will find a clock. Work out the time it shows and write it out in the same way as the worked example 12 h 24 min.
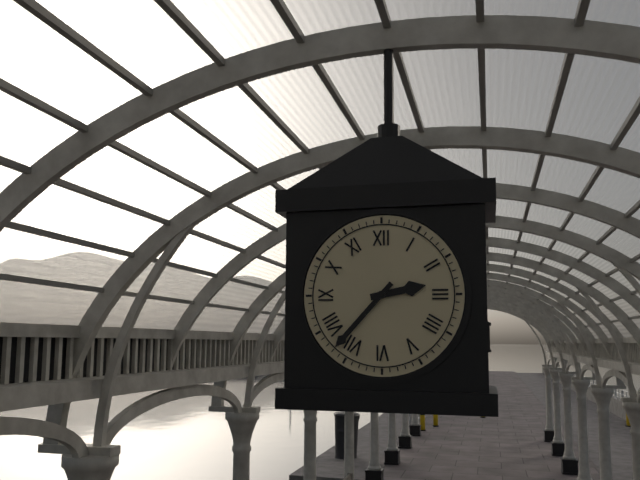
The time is 2 h 37 min
